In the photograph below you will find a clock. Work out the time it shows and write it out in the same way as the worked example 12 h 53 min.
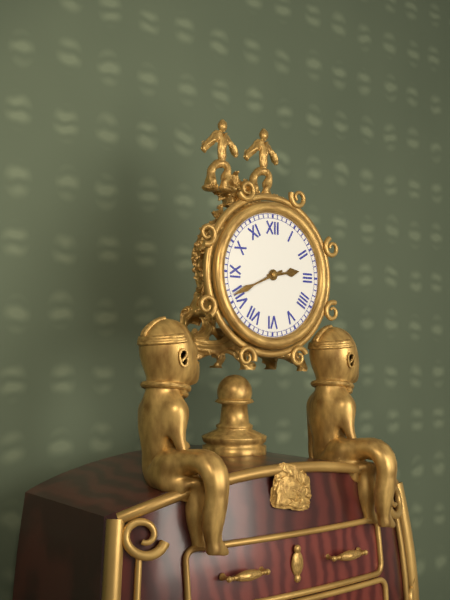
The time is 2 h 41 min
